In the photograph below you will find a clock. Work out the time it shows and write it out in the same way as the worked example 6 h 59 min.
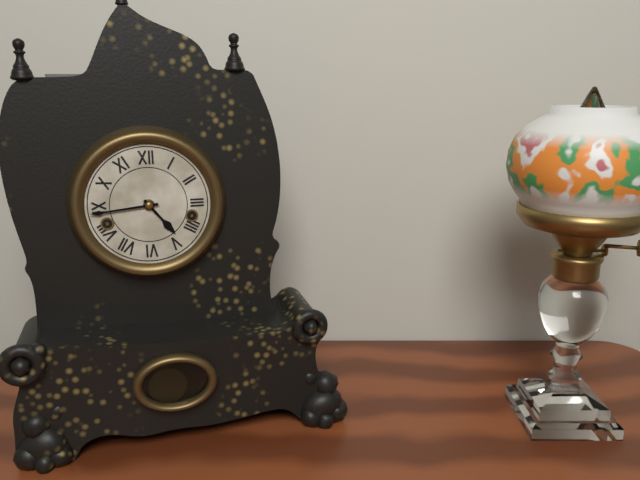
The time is 4 h 44 min
